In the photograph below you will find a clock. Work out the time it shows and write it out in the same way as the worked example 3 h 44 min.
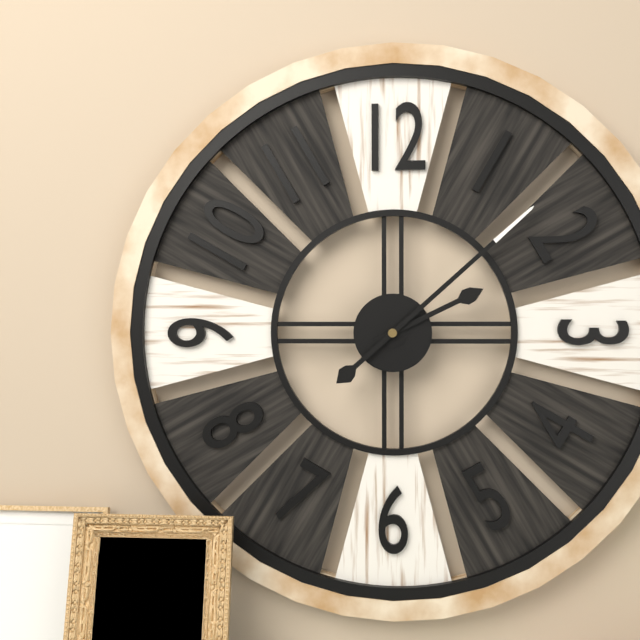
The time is 2 h 08 min
